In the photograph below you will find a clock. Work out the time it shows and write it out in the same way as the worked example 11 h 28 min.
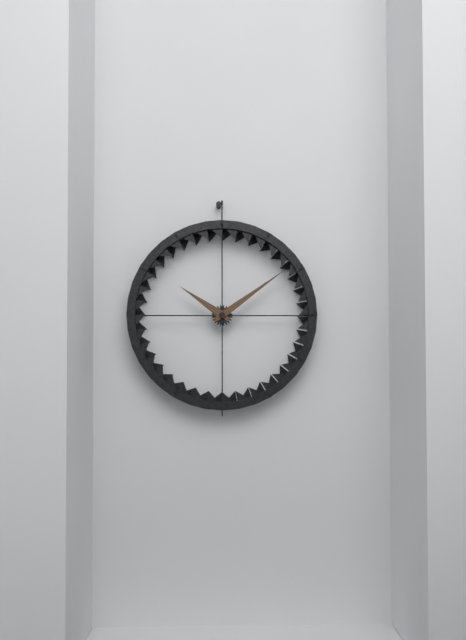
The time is 10 h 09 min
